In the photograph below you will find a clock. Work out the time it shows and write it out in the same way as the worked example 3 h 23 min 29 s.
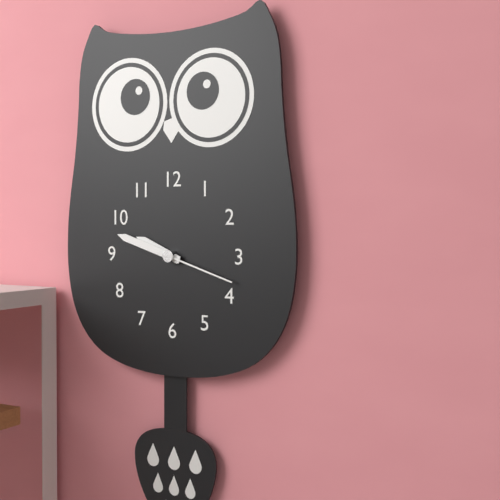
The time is 9 h 48 min 18 s
